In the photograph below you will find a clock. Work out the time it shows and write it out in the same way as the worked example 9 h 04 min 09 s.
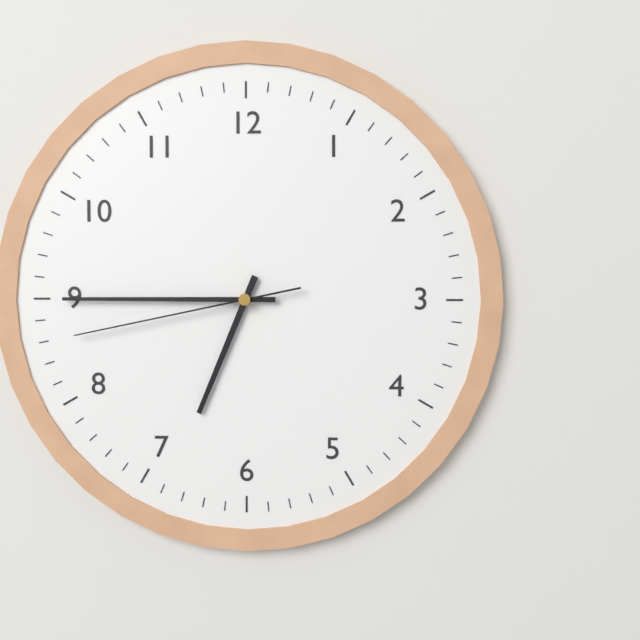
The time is 6 h 45 min 43 s
